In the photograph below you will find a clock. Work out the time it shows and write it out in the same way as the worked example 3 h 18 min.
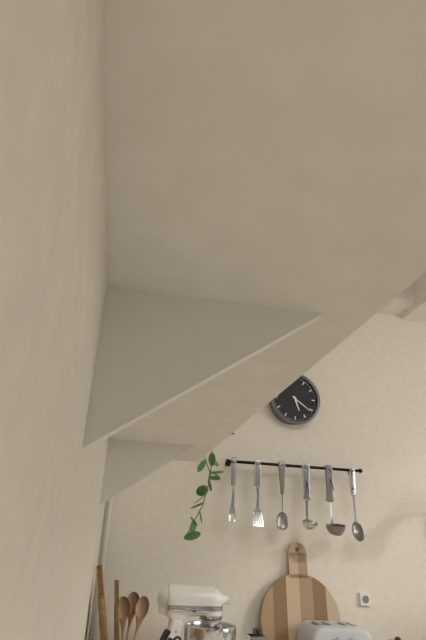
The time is 5 h 21 min
